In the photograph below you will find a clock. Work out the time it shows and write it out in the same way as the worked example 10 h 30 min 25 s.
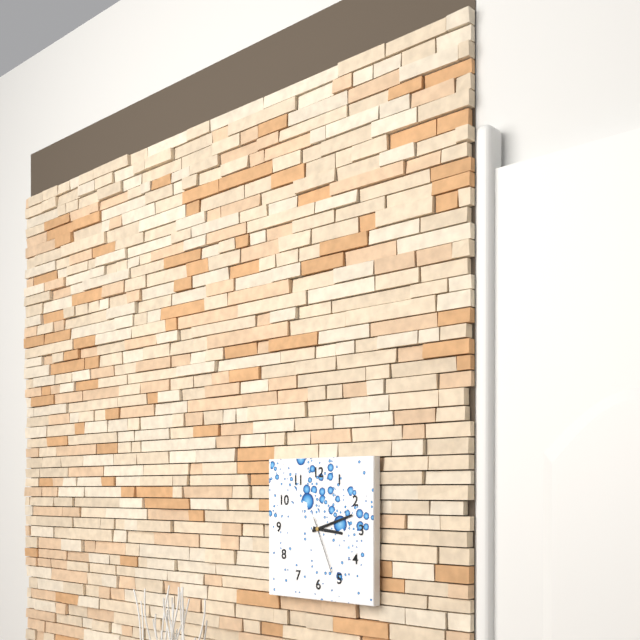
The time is 3 h 12 min 26 s
